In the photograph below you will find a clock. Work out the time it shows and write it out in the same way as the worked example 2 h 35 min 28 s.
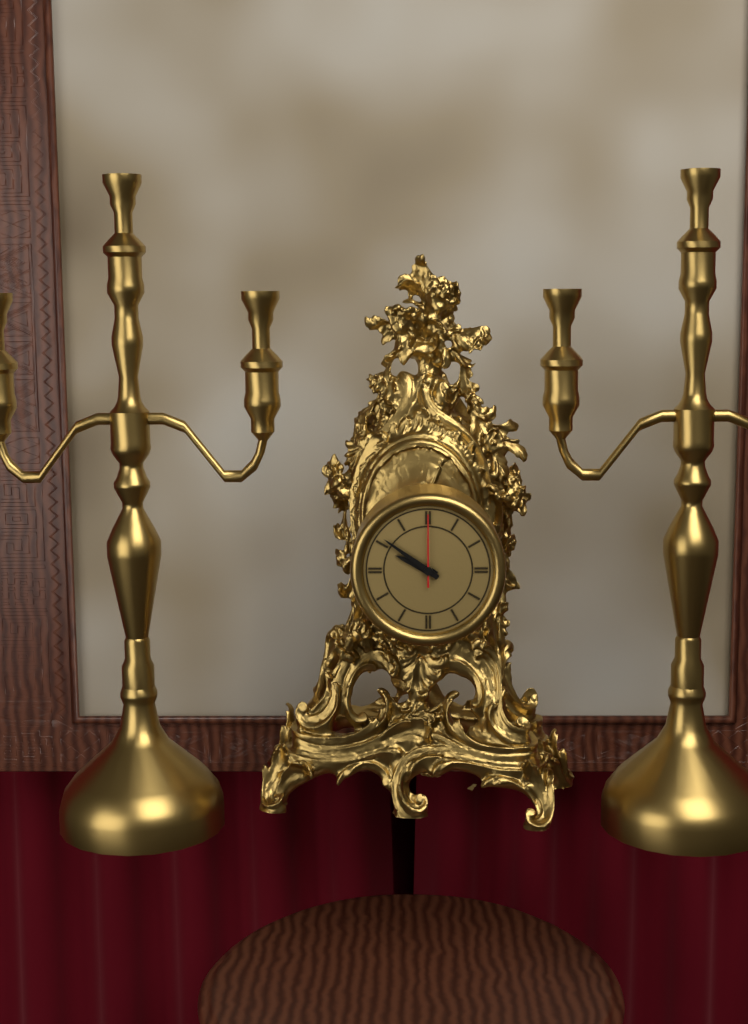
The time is 9 h 51 min 00 s
